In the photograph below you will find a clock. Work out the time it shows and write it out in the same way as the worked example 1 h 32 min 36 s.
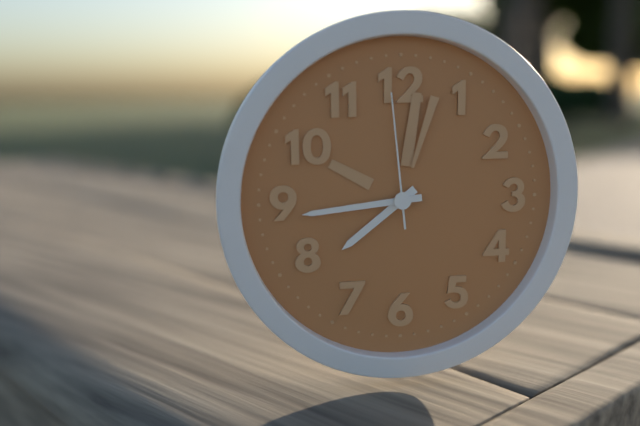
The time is 7 h 44 min 59 s
